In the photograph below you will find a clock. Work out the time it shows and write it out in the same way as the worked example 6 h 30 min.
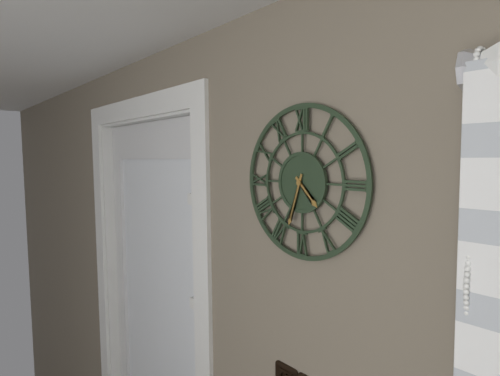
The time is 4 h 33 min
